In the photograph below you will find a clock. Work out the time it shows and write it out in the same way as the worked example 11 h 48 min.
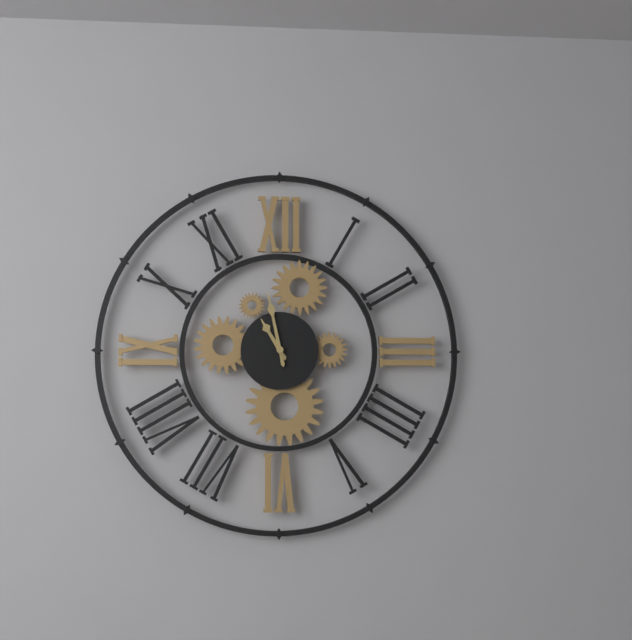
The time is 10 h 58 min
